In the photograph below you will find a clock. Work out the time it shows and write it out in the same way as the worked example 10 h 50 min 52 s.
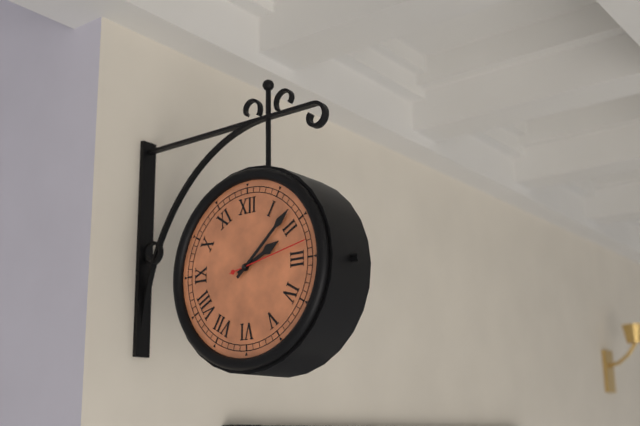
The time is 2 h 08 min 13 s
